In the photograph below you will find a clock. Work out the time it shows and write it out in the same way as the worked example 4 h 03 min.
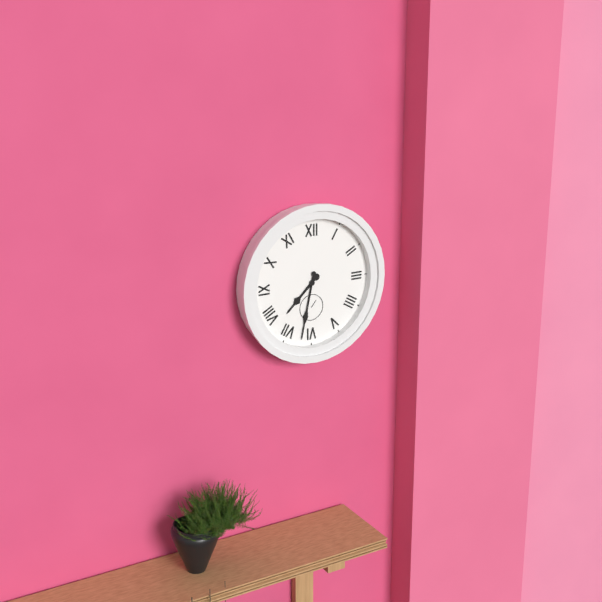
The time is 7 h 32 min
